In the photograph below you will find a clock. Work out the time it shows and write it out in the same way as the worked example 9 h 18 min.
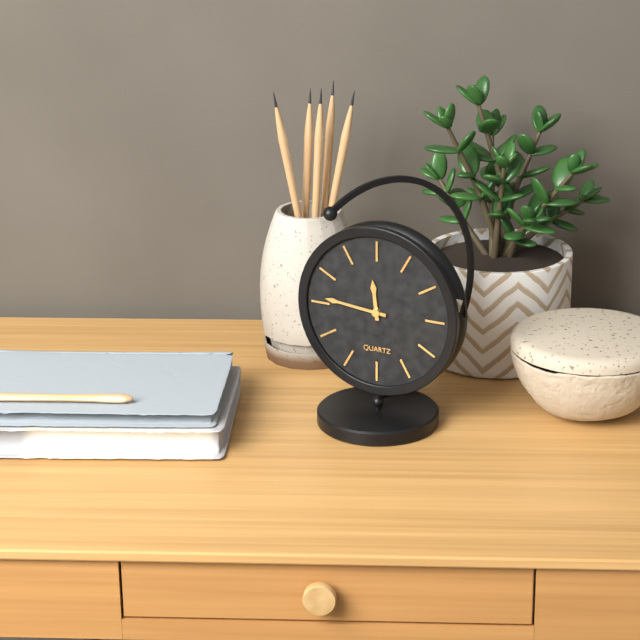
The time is 11 h 46 min
